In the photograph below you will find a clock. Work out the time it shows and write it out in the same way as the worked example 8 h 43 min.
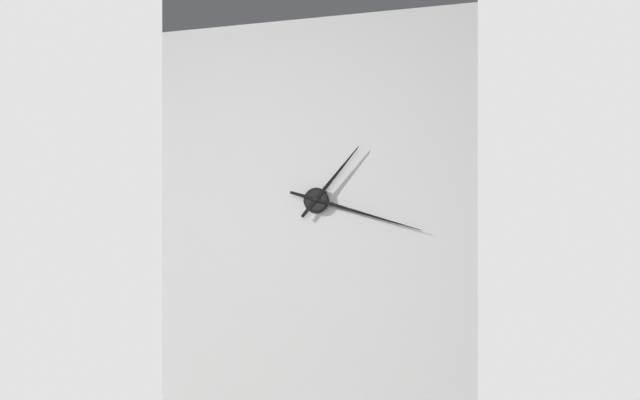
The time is 1 h 18 min
